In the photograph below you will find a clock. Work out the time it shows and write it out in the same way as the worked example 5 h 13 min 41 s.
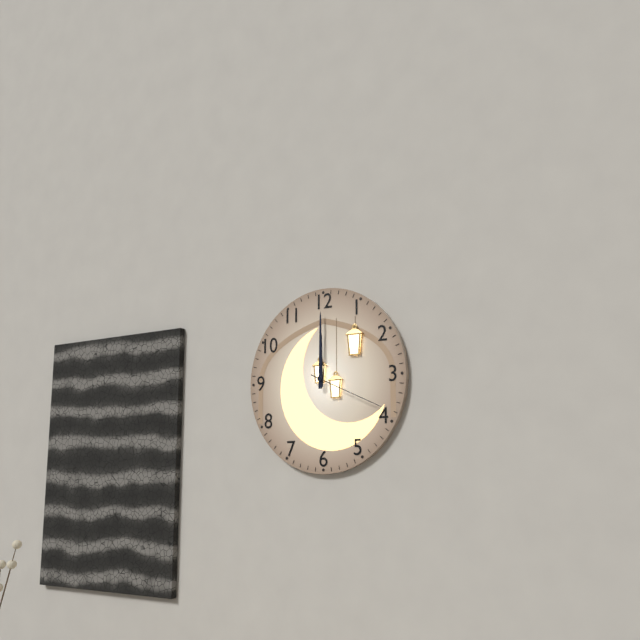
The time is 12 h 00 min 19 s
